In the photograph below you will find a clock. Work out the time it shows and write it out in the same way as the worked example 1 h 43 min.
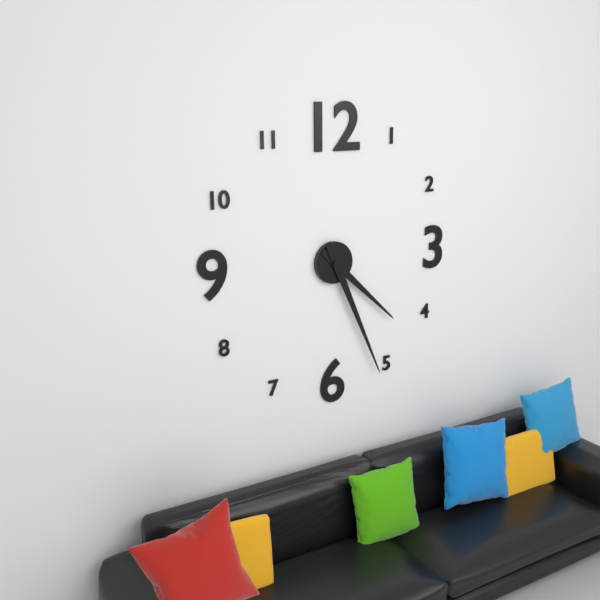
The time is 4 h 26 min
